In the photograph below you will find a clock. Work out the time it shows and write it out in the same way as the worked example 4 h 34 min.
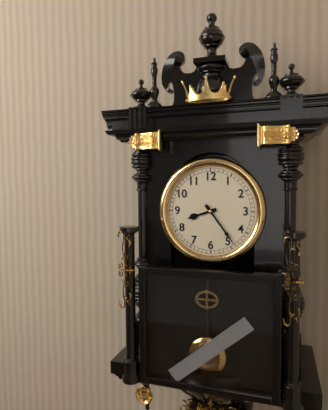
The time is 8 h 24 min
